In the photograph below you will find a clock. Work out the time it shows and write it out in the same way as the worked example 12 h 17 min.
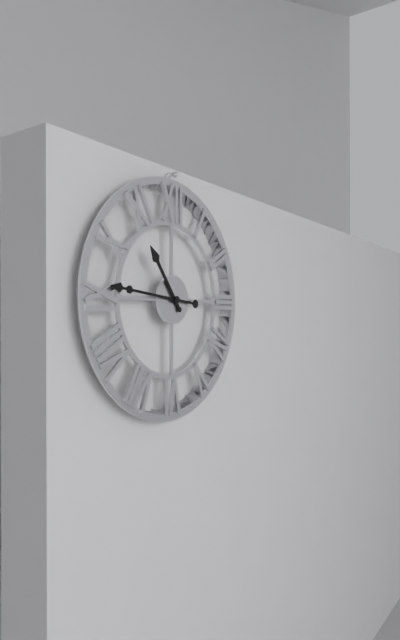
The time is 10 h 46 min
